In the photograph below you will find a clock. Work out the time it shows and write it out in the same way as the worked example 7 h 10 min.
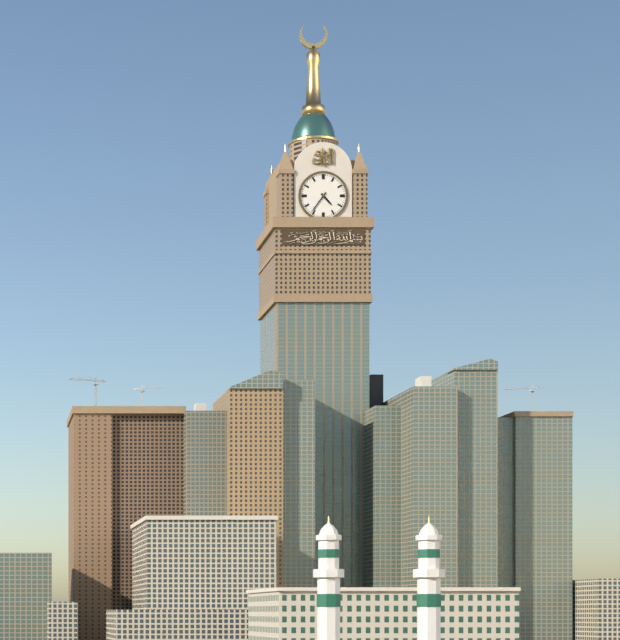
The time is 4 h 36 min
